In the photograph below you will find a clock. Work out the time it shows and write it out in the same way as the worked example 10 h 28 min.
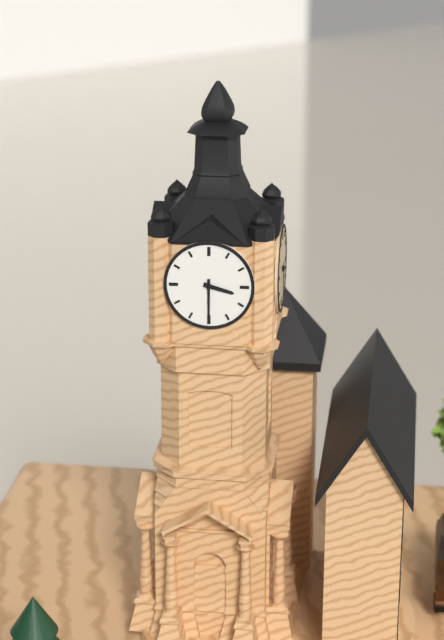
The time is 3 h 30 min
